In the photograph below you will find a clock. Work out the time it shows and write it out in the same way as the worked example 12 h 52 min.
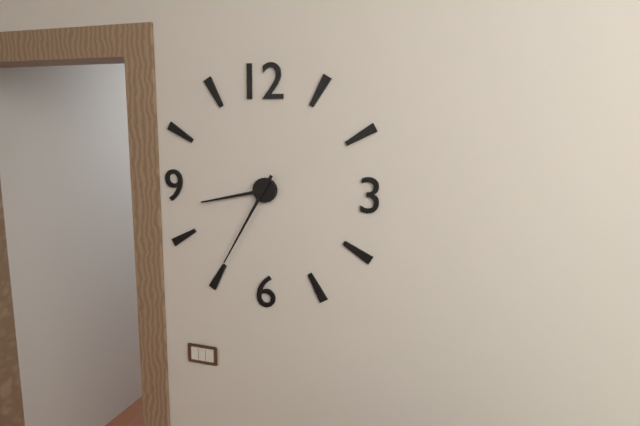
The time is 8 h 35 min
